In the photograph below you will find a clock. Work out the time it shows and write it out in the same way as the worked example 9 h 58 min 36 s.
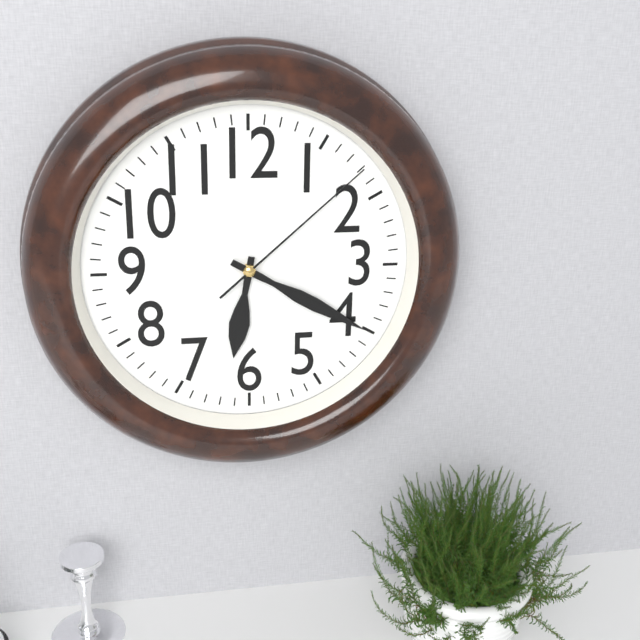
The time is 6 h 20 min 08 s
